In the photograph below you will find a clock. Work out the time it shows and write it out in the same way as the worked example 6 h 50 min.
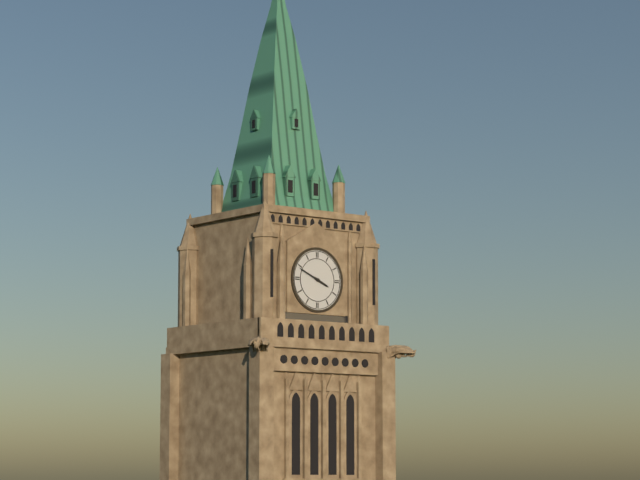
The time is 3 h 49 min
